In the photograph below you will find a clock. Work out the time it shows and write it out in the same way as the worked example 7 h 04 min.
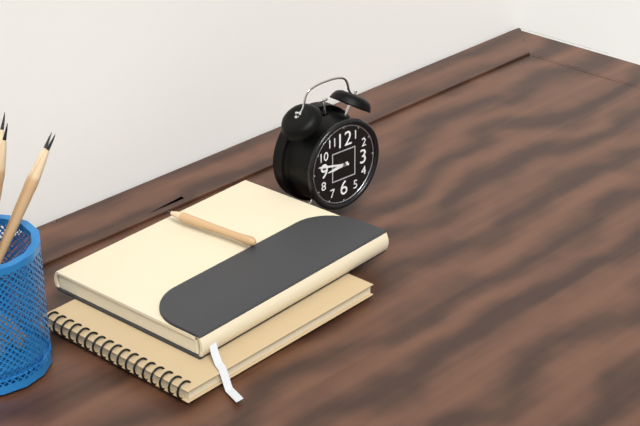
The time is 8 h 47 min
